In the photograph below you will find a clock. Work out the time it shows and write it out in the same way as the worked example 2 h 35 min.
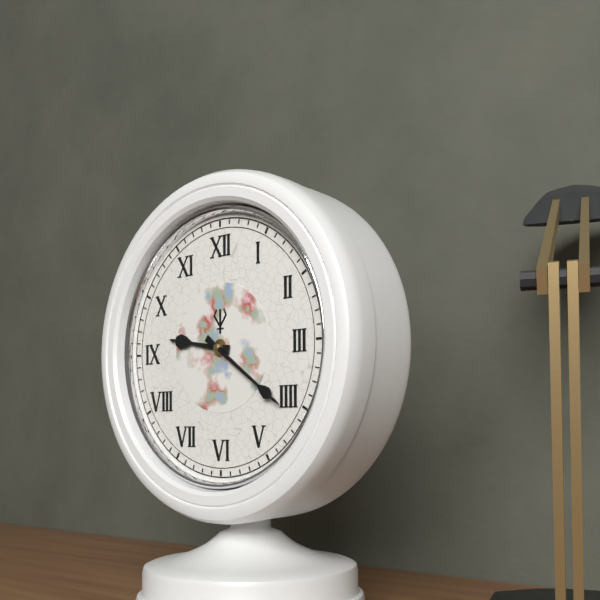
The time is 9 h 21 min
